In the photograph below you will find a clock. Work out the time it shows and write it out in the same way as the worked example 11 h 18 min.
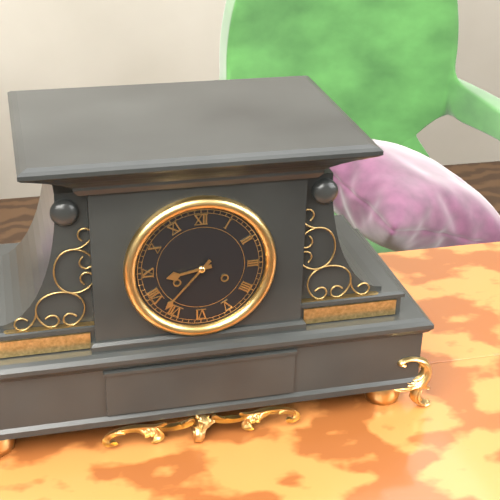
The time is 8 h 37 min
